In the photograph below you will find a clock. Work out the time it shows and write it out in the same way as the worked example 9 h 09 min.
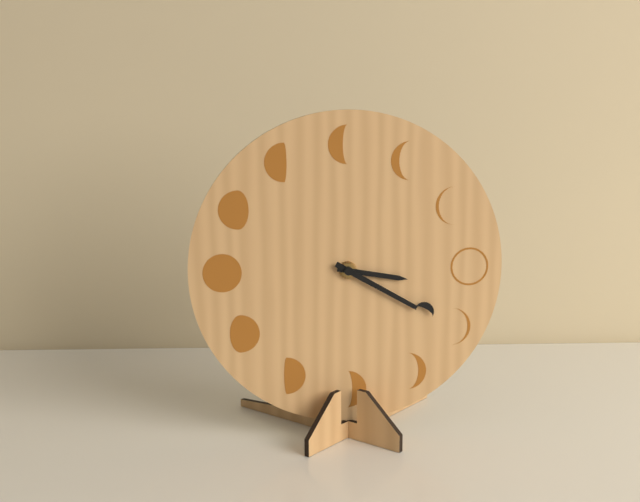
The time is 3 h 20 min
